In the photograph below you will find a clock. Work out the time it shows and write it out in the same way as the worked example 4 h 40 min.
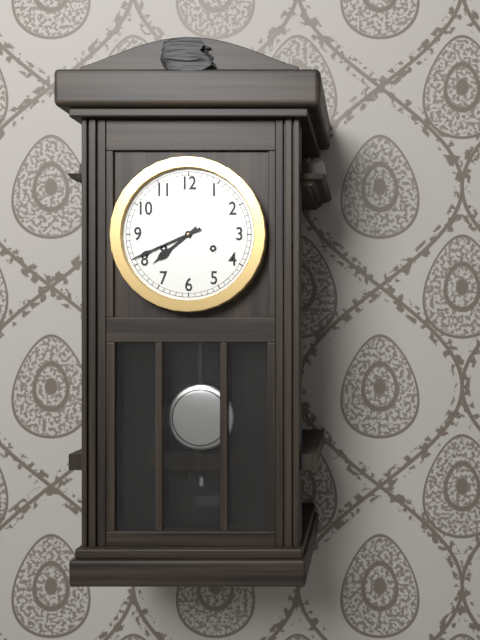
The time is 7 h 41 min
